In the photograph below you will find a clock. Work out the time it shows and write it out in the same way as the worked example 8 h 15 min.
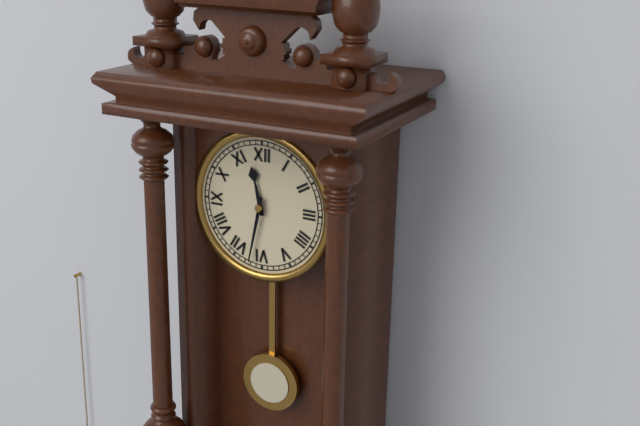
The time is 11 h 32 min
